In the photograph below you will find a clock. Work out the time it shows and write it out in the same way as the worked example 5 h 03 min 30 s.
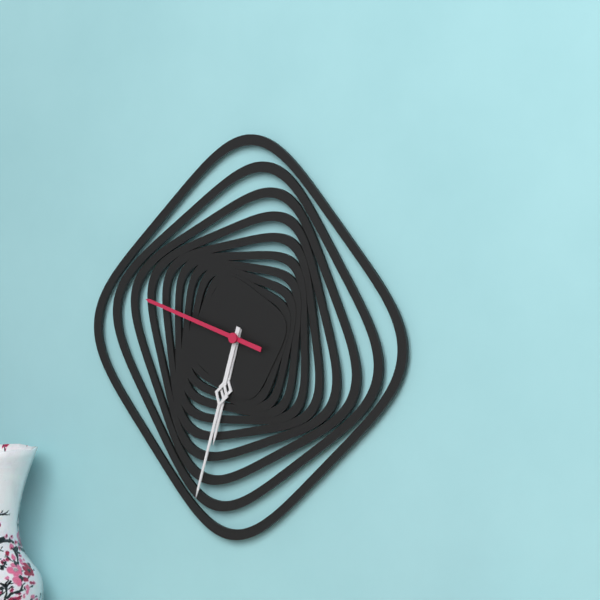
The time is 6 h 33 min 48 s
